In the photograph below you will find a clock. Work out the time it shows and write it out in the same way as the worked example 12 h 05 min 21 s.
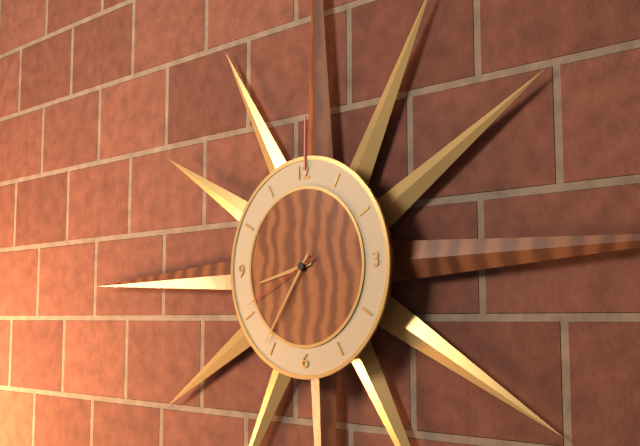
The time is 8 h 36 min 41 s
